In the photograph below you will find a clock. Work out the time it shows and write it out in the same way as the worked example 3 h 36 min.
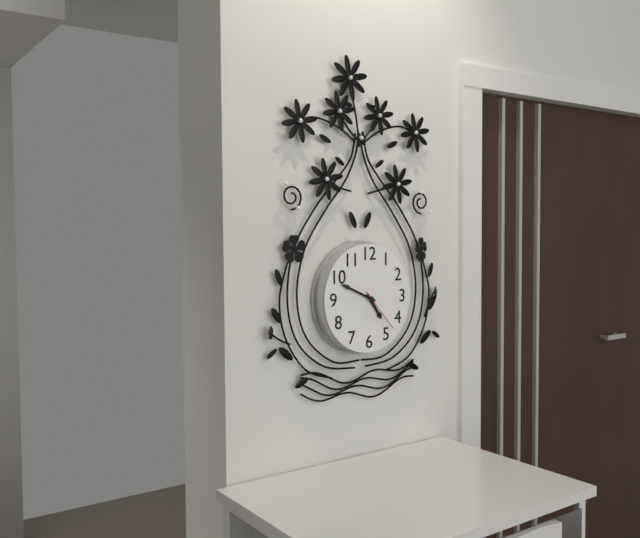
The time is 4 h 49 min
